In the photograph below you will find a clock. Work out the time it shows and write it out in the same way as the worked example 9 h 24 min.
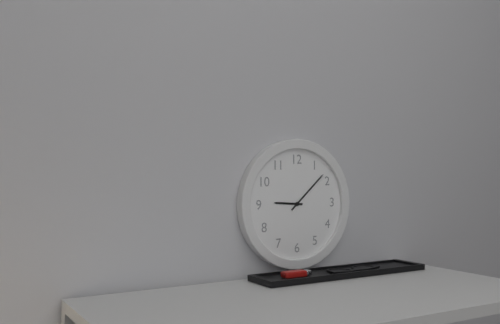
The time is 9 h 08 min
